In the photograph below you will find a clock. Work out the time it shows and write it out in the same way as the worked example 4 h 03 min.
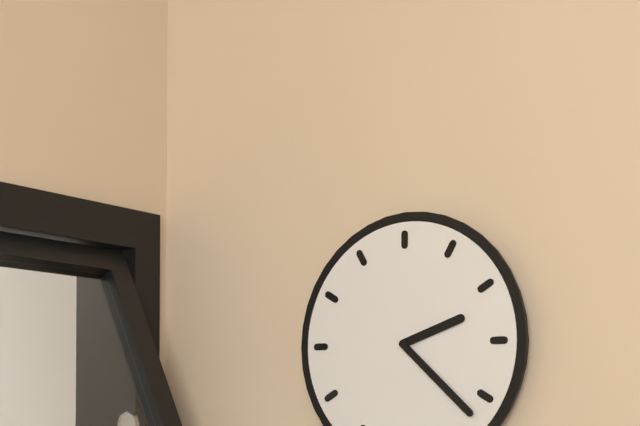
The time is 2 h 22 min
